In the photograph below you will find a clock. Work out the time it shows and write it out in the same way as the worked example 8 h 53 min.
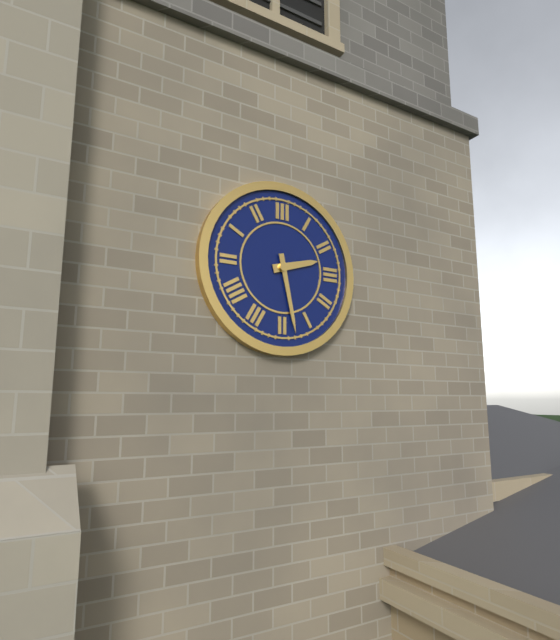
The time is 2 h 28 min
